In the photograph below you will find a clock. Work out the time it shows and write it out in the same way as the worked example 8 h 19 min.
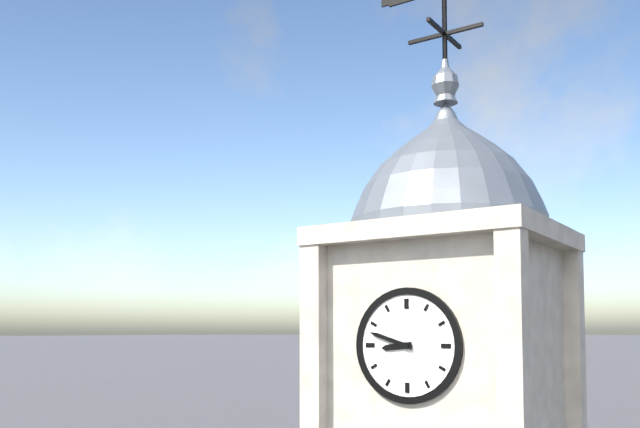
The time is 8 h 48 min
